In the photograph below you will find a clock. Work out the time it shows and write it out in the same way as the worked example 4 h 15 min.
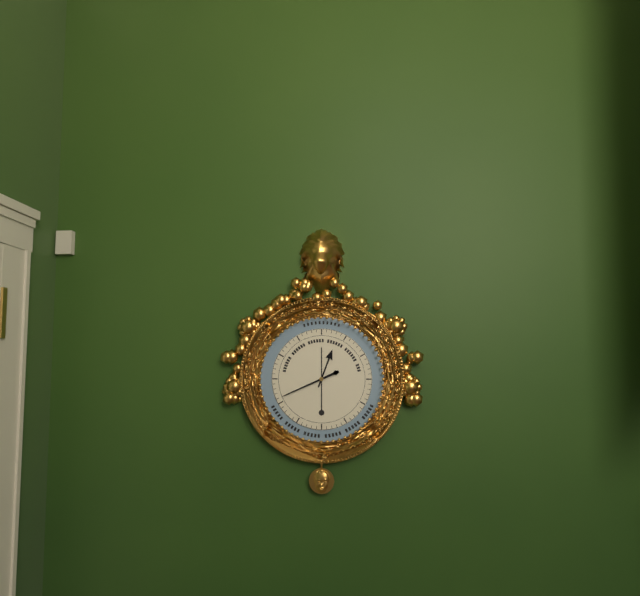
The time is 12 h 41 min
